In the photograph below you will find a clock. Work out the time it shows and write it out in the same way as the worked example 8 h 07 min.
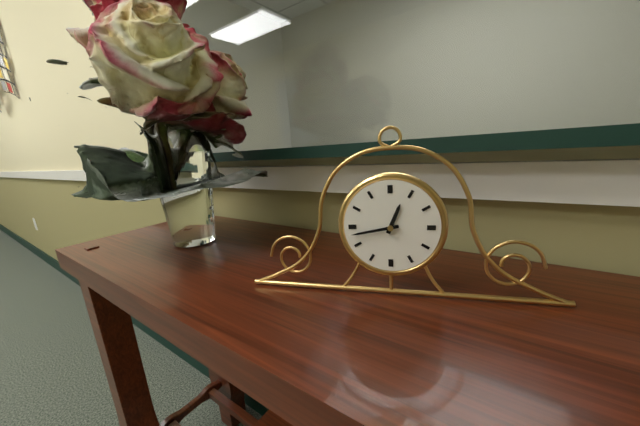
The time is 12 h 43 min
